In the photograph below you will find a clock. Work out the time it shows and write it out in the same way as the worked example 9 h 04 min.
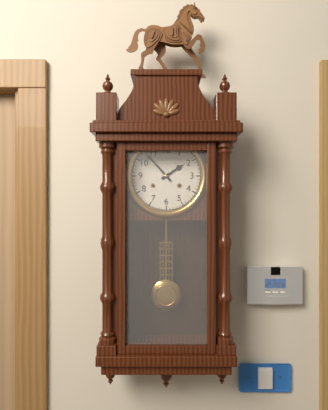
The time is 1 h 53 min
